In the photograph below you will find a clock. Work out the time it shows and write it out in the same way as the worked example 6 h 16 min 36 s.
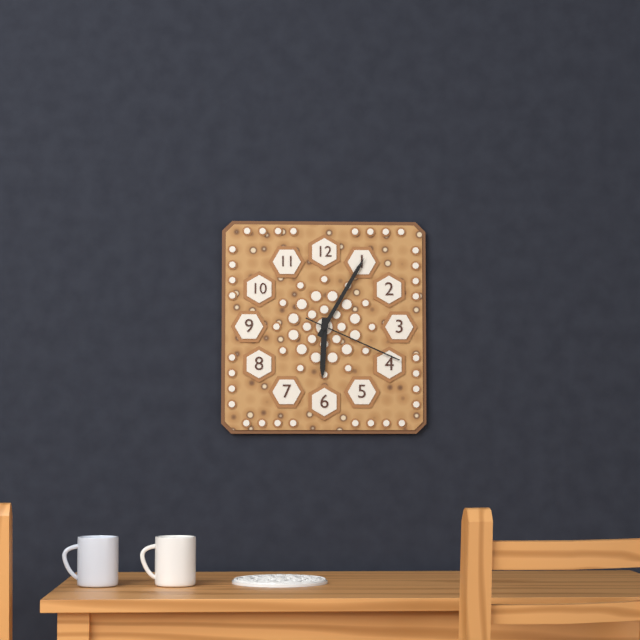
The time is 6 h 05 min 19 s
